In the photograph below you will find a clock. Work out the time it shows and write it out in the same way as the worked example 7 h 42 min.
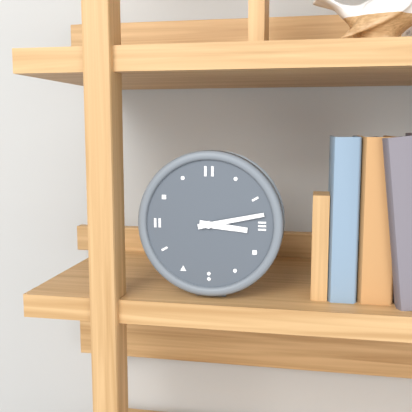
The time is 3 h 13 min
